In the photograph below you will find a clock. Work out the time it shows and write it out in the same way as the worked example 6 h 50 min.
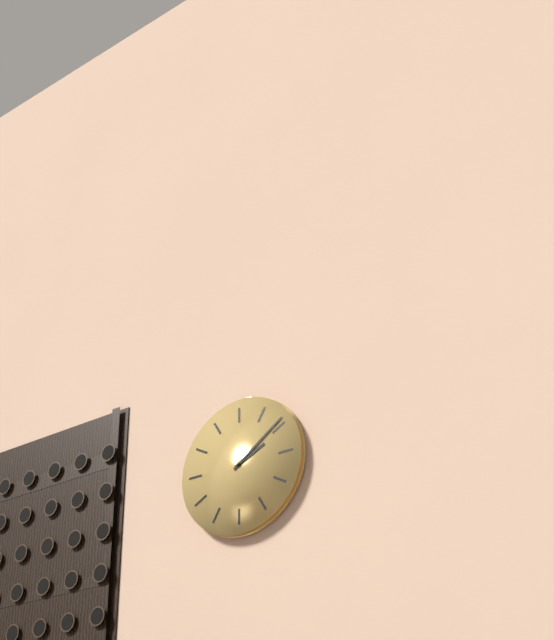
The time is 2 h 09 min
